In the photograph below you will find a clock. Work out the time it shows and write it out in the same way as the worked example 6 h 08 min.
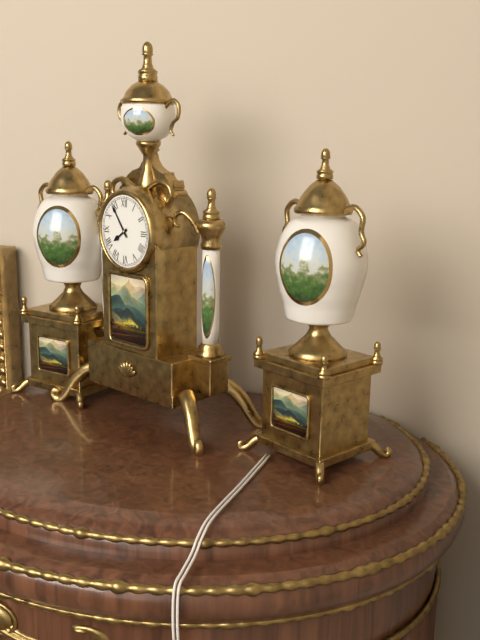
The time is 7 h 54 min
